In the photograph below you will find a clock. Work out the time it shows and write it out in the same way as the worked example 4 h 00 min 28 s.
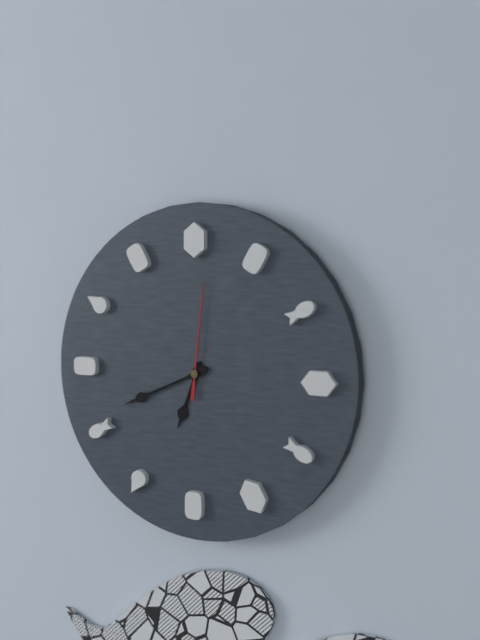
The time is 6 h 41 min 01 s
